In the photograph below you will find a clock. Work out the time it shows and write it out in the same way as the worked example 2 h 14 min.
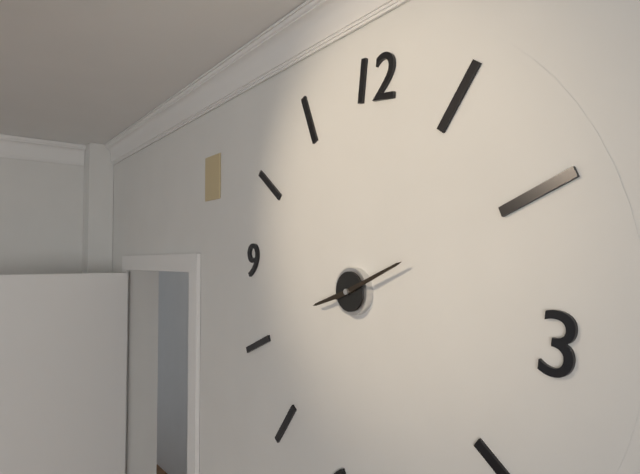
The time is 8 h 10 min
